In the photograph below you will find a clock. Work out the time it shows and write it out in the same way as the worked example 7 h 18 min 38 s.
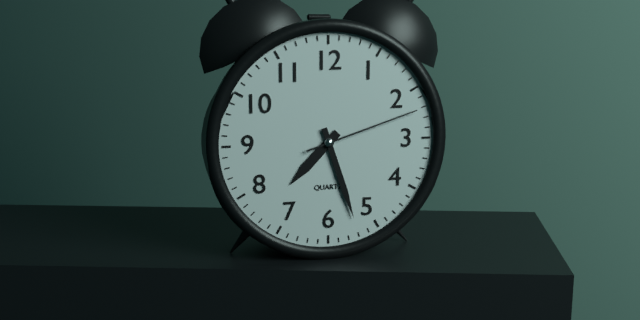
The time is 7 h 27 min 12 s
